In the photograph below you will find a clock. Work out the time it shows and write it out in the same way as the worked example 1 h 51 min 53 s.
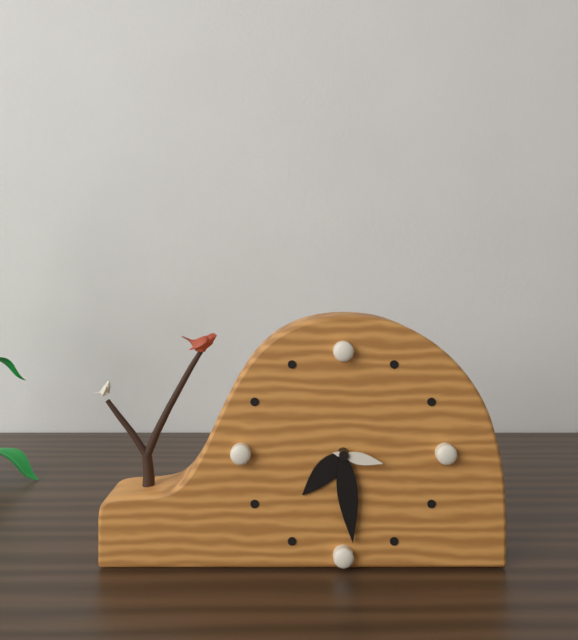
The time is 7 h 29 min 17 s
